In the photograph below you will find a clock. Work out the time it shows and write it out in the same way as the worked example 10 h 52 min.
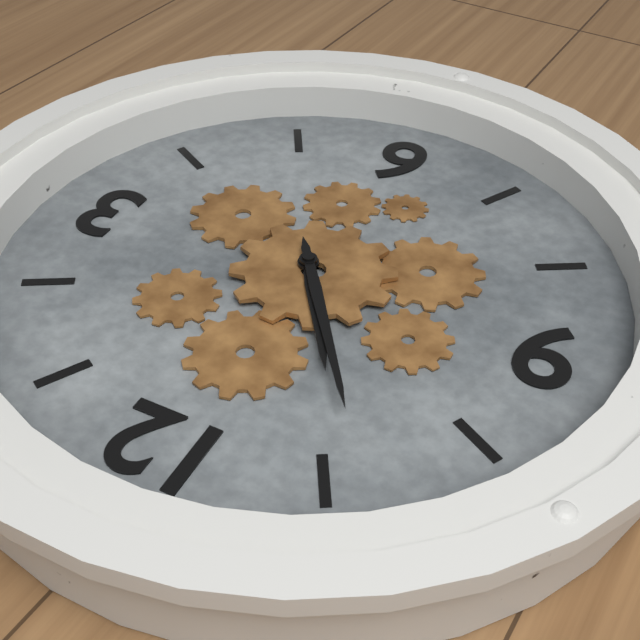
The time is 10 h 54 min
